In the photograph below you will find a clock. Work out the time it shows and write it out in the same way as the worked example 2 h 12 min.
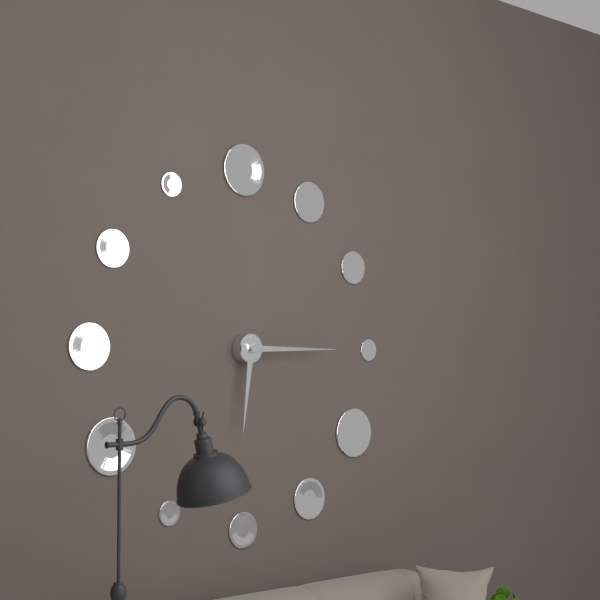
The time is 6 h 15 min
